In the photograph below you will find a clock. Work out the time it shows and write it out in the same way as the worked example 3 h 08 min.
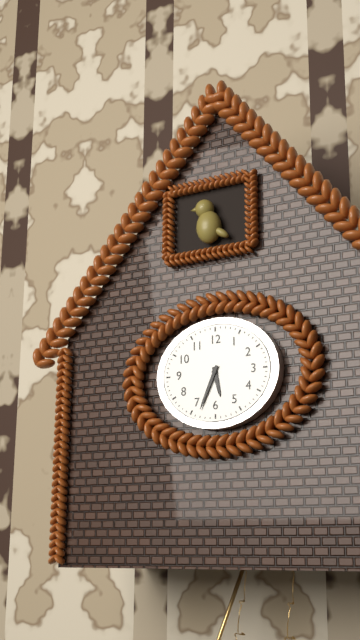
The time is 5 h 34 min
